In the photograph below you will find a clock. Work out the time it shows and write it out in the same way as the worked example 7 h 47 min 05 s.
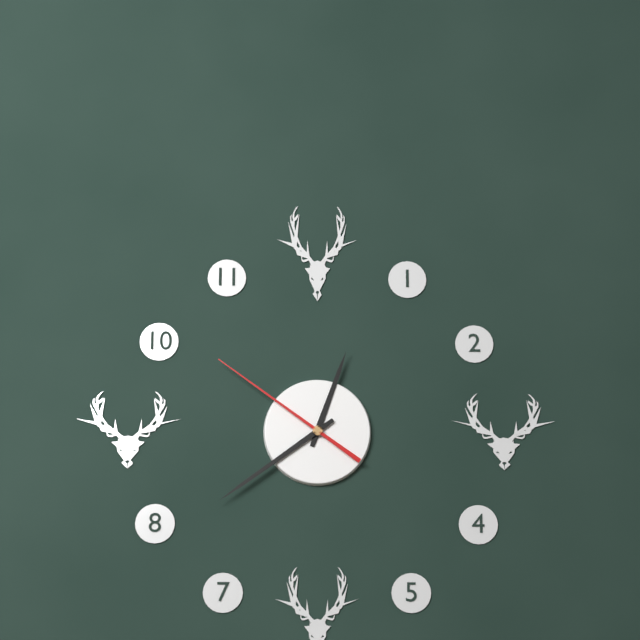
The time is 12 h 39 min 51 s
